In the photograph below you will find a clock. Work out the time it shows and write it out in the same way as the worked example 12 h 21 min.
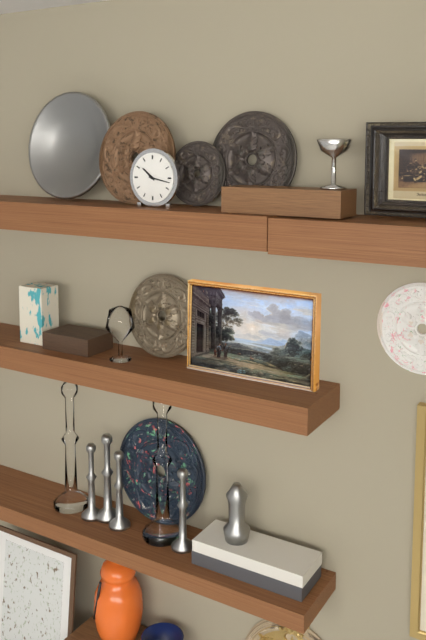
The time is 10 h 17 min
